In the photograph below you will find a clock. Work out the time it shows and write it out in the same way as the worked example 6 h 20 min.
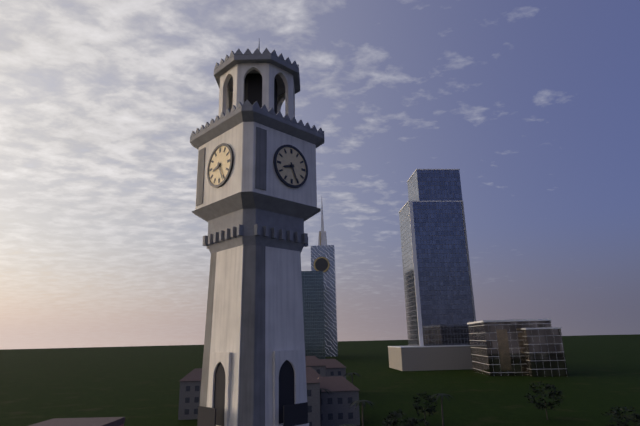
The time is 8 h 26 min
